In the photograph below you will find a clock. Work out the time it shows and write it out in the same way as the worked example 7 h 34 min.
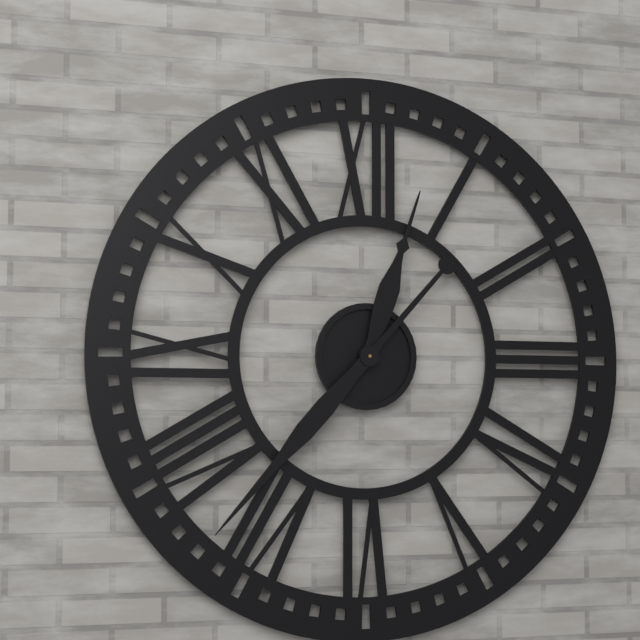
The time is 12 h 37 min
